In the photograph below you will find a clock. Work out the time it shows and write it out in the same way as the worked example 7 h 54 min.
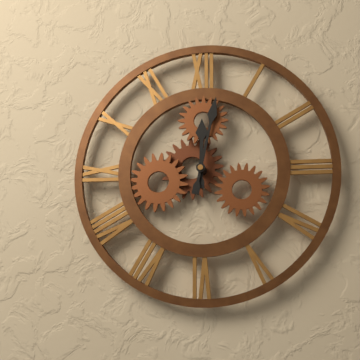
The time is 12 h 02 min
